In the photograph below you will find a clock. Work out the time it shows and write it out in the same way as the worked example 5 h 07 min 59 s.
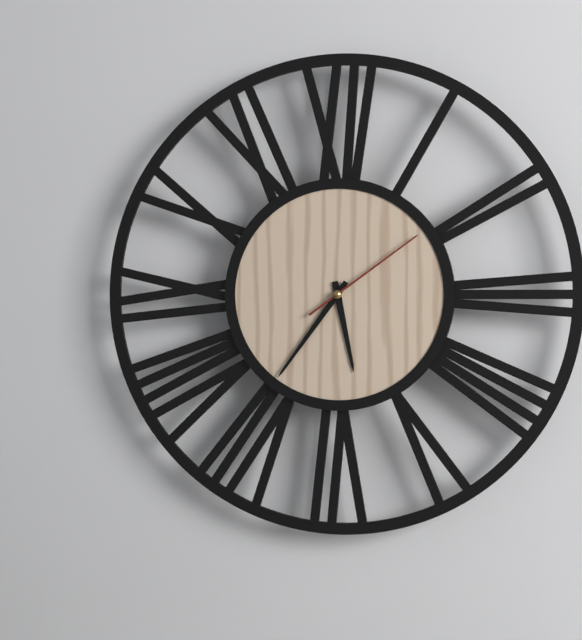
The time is 5 h 36 min 09 s
